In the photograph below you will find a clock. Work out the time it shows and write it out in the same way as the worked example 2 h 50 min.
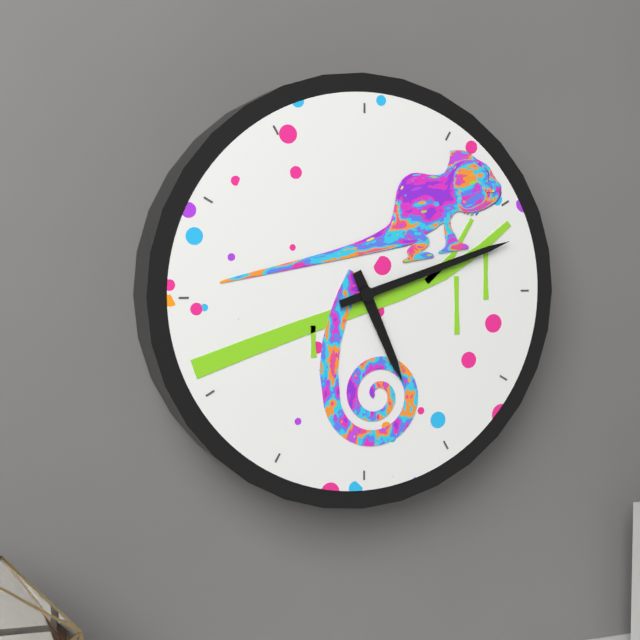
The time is 5 h 12 min
